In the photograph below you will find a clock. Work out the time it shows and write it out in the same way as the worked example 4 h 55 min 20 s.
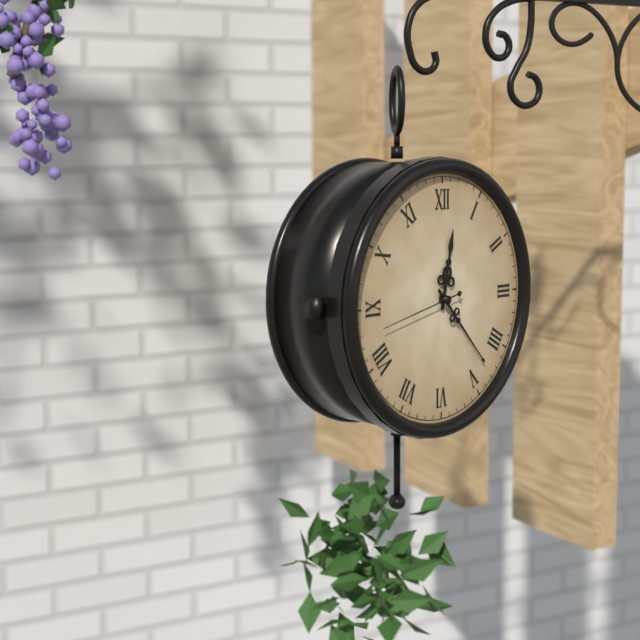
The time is 12 h 23 min 43 s
